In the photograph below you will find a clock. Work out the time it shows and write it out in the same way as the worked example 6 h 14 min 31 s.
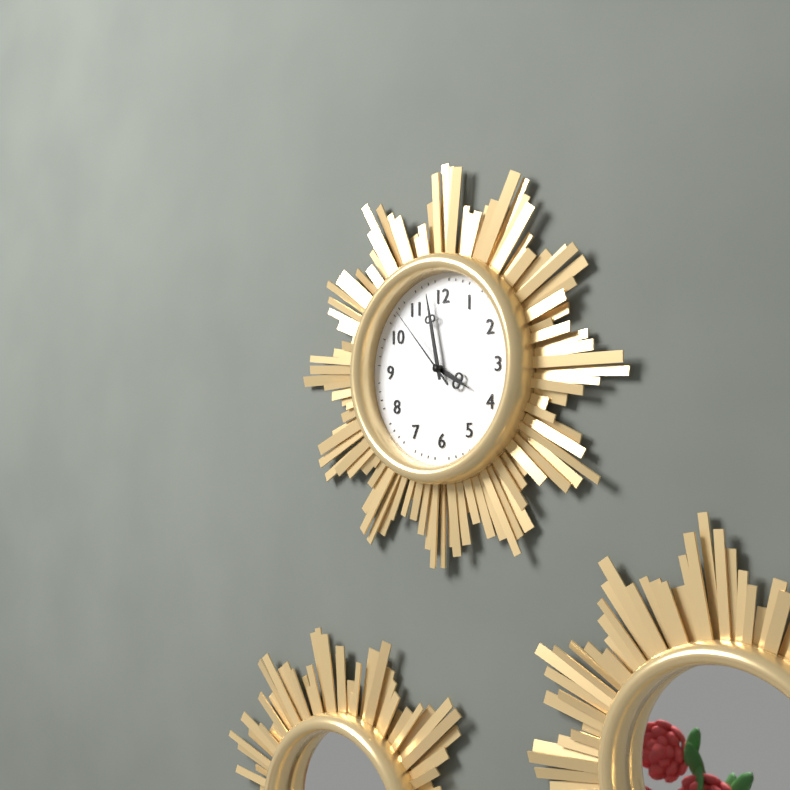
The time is 3 h 58 min 53 s
